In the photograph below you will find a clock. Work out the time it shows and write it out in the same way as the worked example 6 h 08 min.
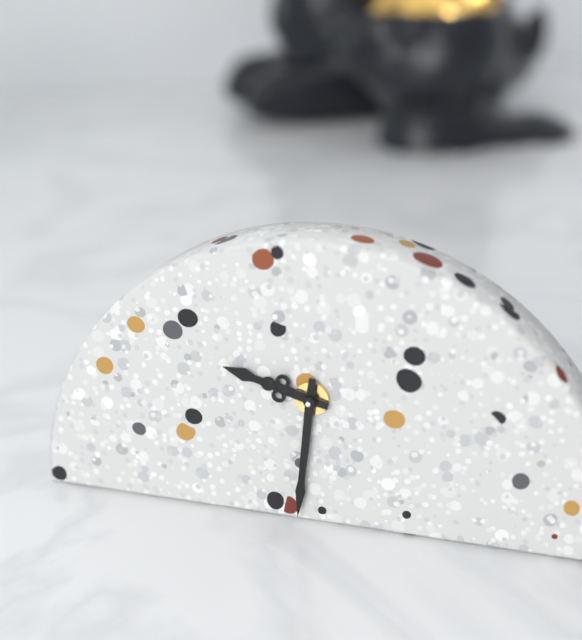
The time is 9 h 31 min
